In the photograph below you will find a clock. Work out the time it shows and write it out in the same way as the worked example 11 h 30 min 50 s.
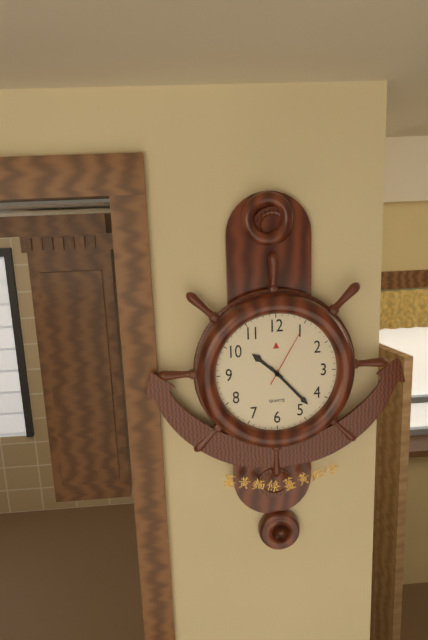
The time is 10 h 23 min 05 s
